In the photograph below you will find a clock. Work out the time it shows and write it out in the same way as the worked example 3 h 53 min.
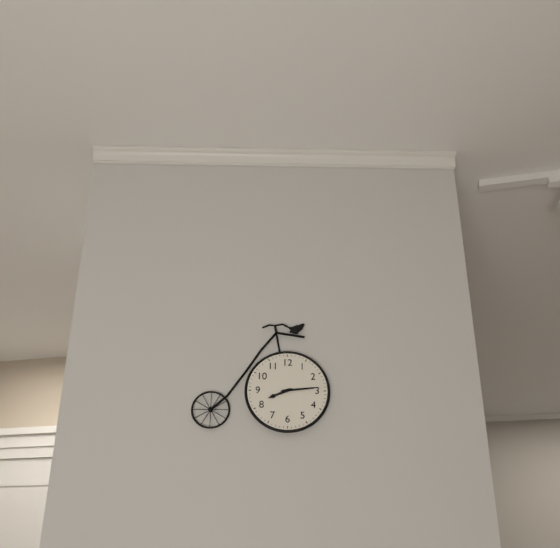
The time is 8 h 14 min
